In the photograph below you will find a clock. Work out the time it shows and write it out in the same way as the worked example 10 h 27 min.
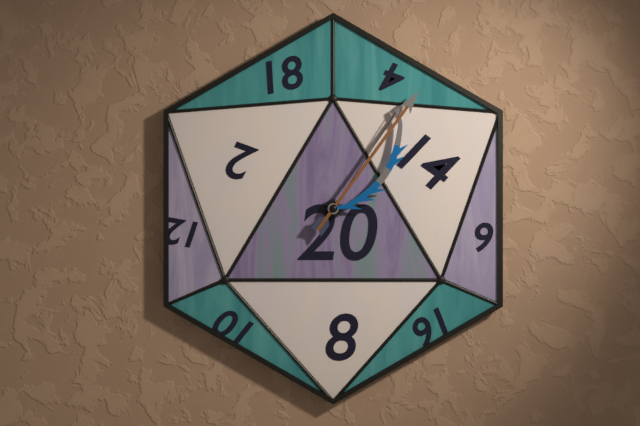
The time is 1 h 06 min
